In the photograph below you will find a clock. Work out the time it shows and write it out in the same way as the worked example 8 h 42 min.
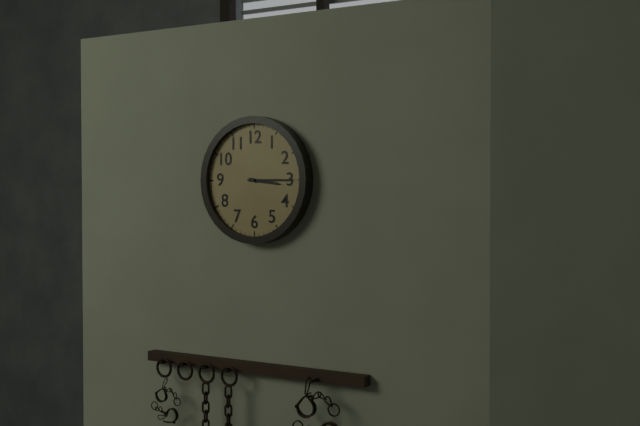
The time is 3 h 15 min
